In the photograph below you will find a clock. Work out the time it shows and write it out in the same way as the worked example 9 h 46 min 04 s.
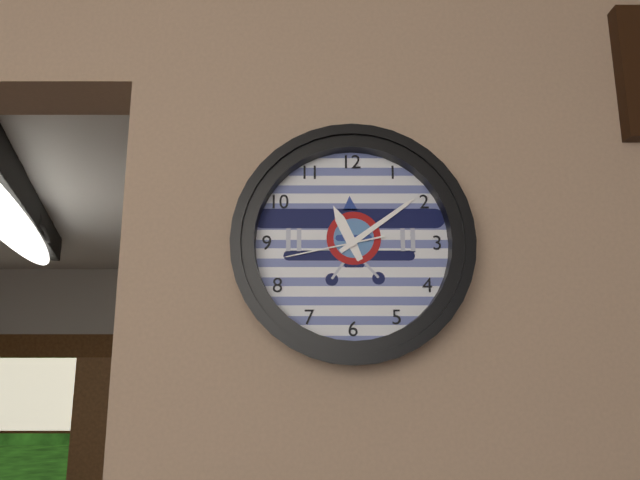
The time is 11 h 09 min 43 s
